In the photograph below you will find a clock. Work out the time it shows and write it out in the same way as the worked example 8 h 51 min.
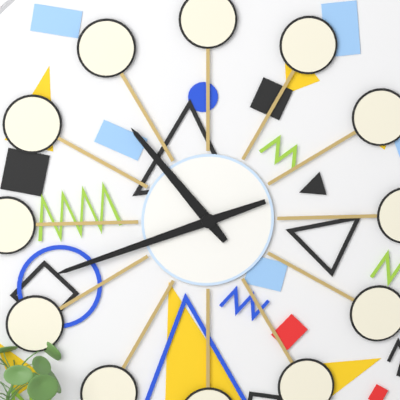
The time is 10 h 42 min
